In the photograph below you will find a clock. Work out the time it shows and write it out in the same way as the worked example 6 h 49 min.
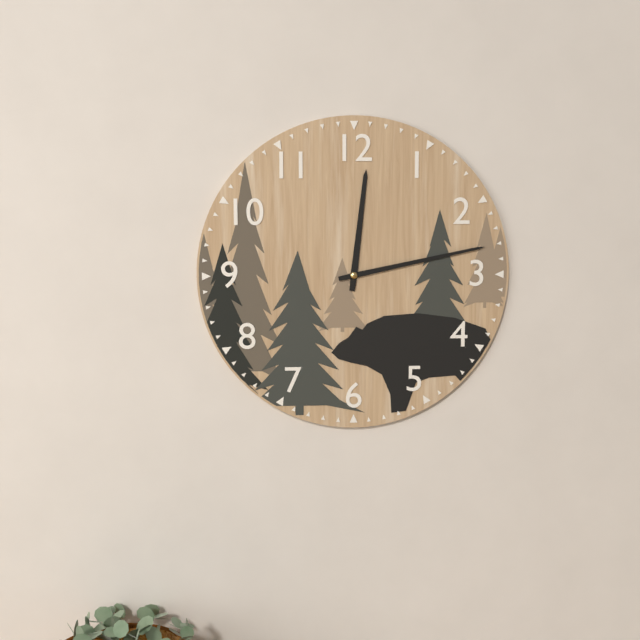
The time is 12 h 13 min
